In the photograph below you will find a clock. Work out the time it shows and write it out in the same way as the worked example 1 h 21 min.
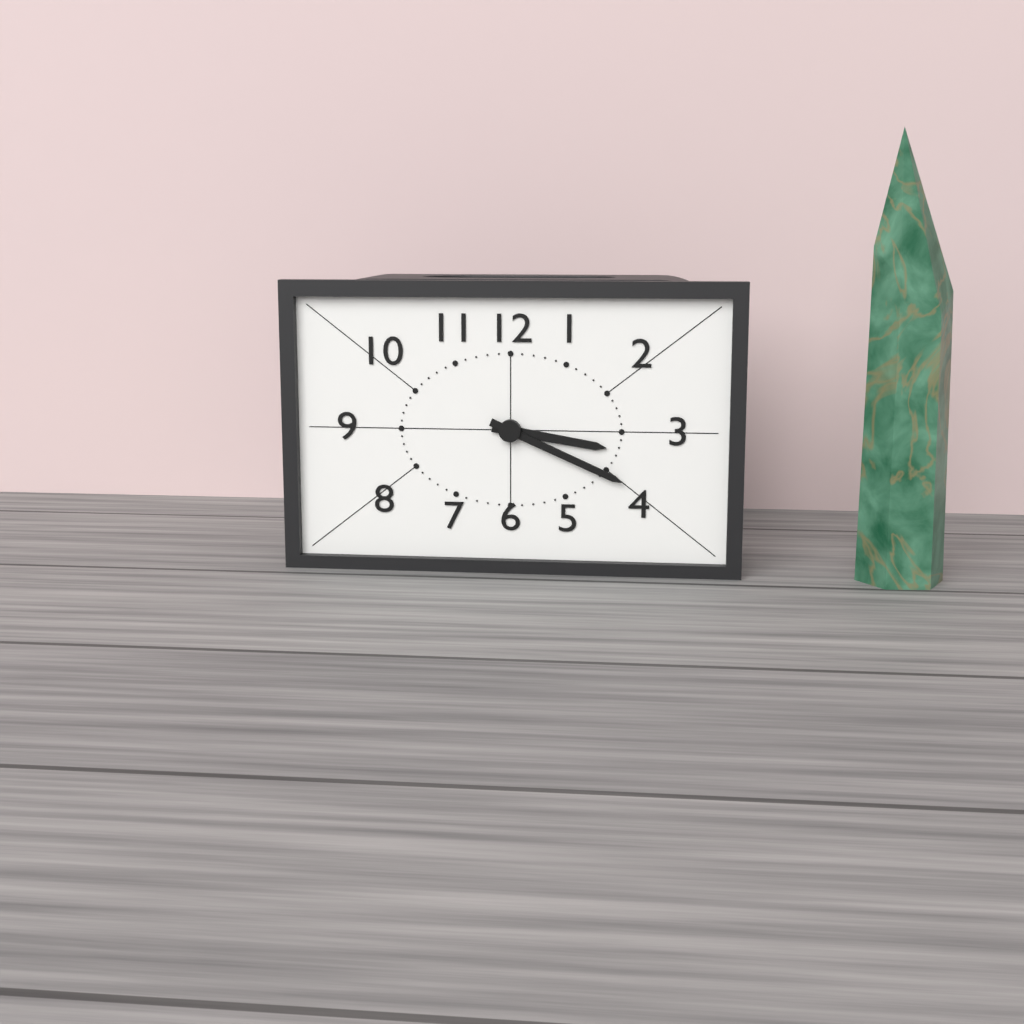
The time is 3 h 19 min
